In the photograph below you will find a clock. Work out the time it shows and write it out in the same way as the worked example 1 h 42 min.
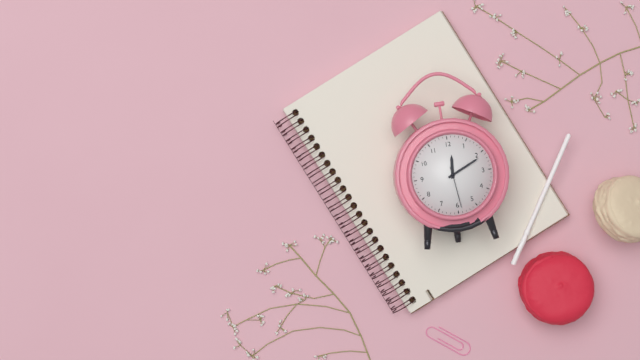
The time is 12 h 11 min
